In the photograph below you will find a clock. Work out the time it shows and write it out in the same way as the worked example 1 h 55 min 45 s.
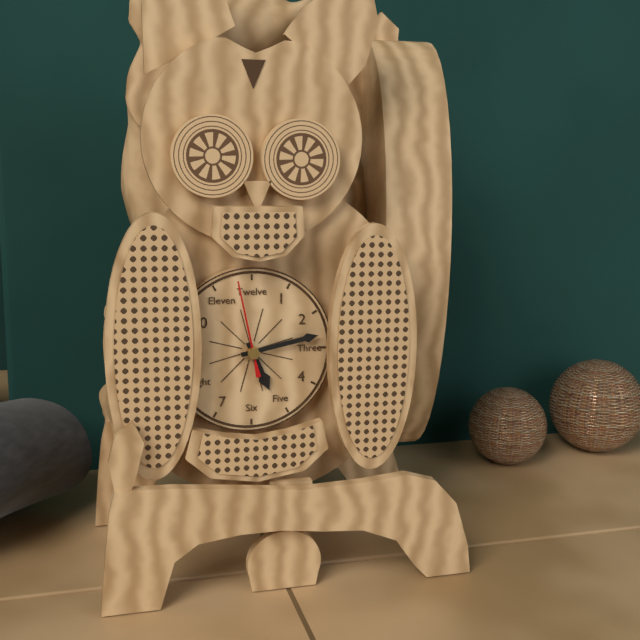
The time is 5 h 13 min 58 s
